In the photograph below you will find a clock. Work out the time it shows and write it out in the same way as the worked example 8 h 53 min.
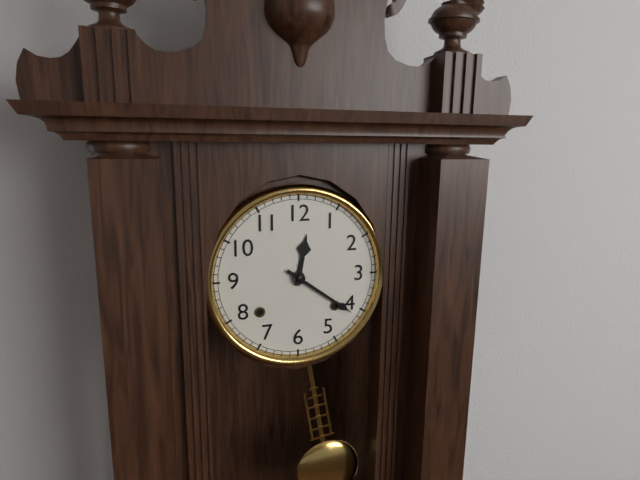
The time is 12 h 21 min
